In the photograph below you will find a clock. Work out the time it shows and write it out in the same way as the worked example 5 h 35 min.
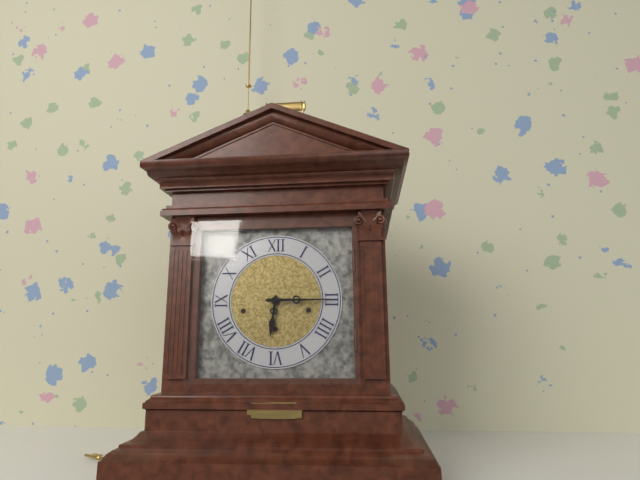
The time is 6 h 15 min
